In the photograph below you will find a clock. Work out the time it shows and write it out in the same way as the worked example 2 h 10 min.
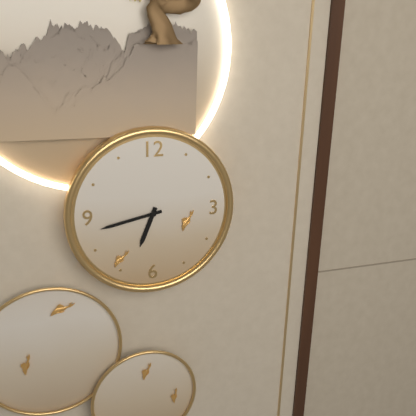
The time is 6 h 43 min
